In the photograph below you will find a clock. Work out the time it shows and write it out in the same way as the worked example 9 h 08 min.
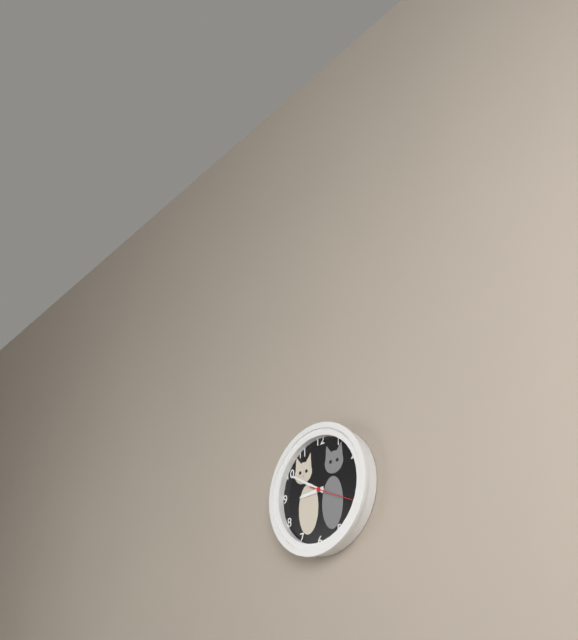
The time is 8 h 50 min
